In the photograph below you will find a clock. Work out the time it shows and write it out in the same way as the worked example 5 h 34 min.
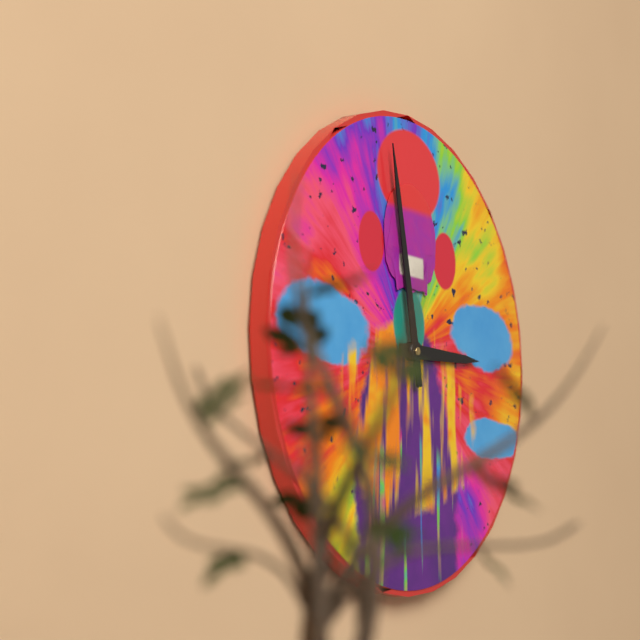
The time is 2 h 58 min
